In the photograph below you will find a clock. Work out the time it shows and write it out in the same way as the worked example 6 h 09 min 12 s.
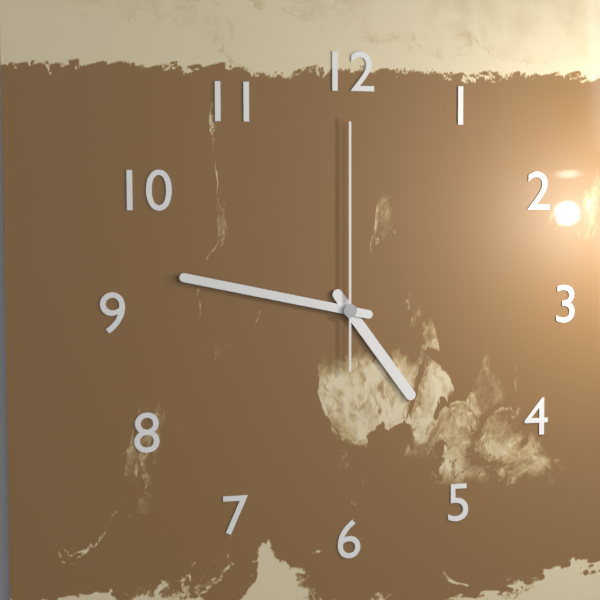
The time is 4 h 47 min 00 s
